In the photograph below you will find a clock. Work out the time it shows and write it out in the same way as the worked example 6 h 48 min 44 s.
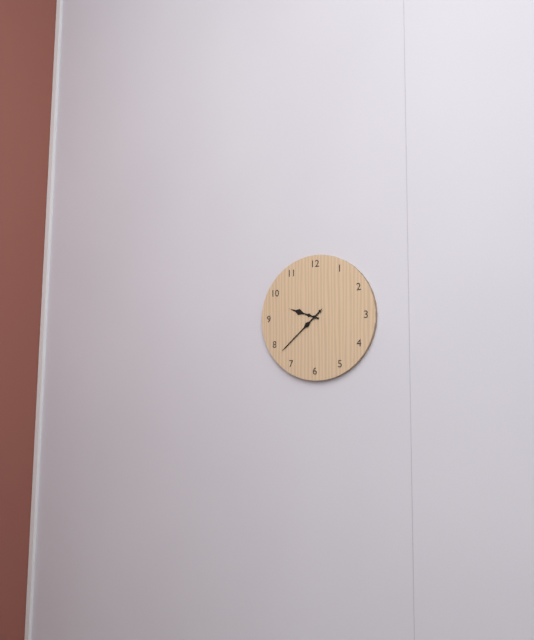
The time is 9 h 38 min 38 s
